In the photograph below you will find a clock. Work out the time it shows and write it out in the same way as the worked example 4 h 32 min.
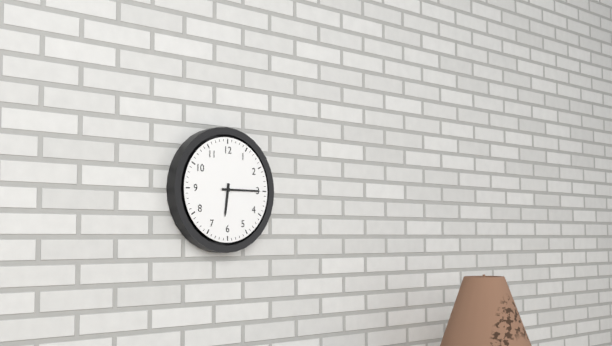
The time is 6 h 15 min
